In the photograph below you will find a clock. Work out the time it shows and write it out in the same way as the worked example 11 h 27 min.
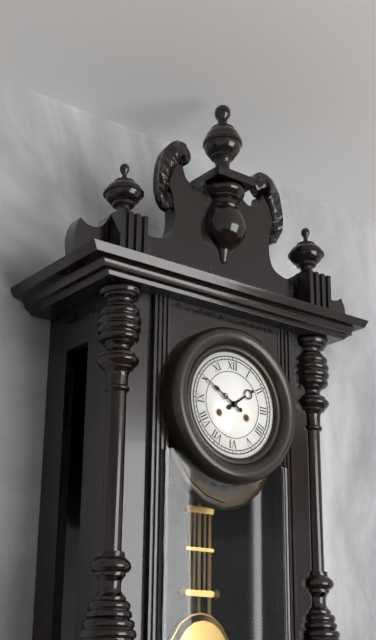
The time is 1 h 50 min
